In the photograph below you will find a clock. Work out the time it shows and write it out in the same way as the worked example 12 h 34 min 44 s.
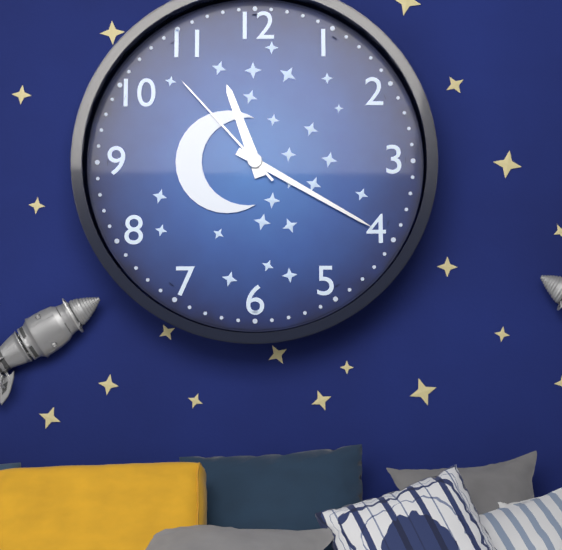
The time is 11 h 20 min 53 s
